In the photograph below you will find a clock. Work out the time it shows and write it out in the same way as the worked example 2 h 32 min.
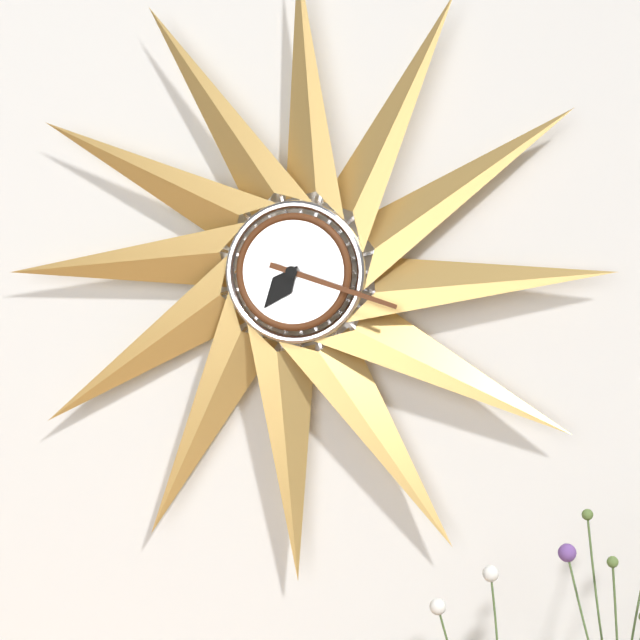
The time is 7 h 18 min
